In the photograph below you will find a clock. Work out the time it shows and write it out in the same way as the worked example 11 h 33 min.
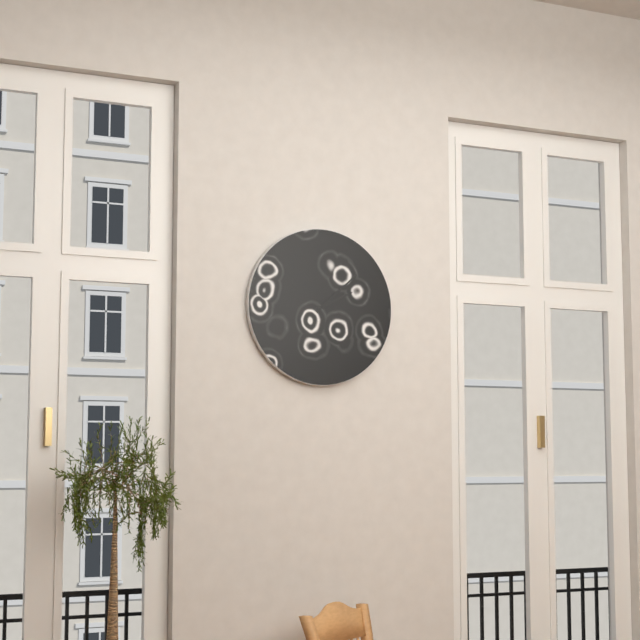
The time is 2 h 08 min
